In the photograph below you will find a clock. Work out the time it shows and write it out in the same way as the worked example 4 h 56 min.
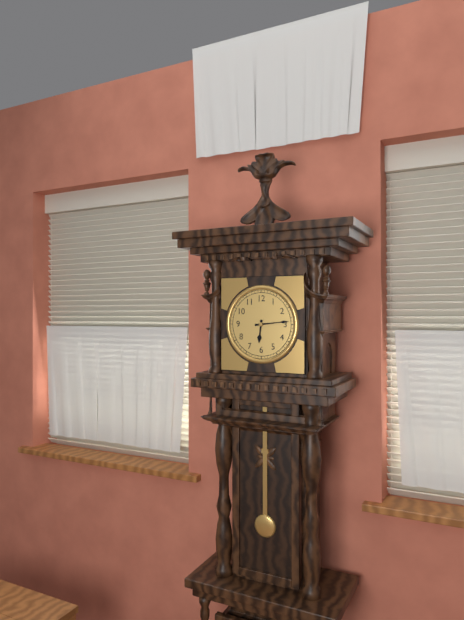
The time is 6 h 14 min
